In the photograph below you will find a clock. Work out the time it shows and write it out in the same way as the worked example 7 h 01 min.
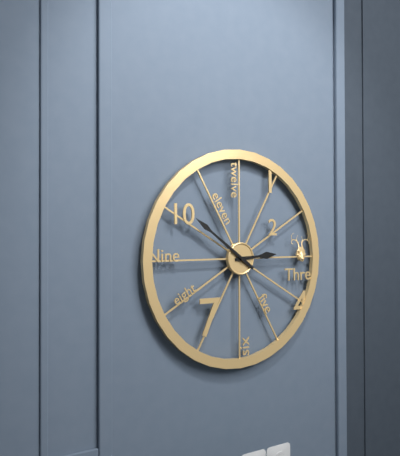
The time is 2 h 51 min
